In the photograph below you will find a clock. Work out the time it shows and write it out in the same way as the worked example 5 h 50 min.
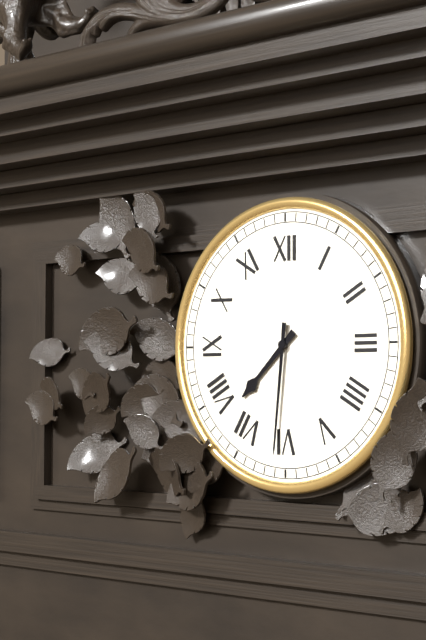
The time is 7 h 31 min
